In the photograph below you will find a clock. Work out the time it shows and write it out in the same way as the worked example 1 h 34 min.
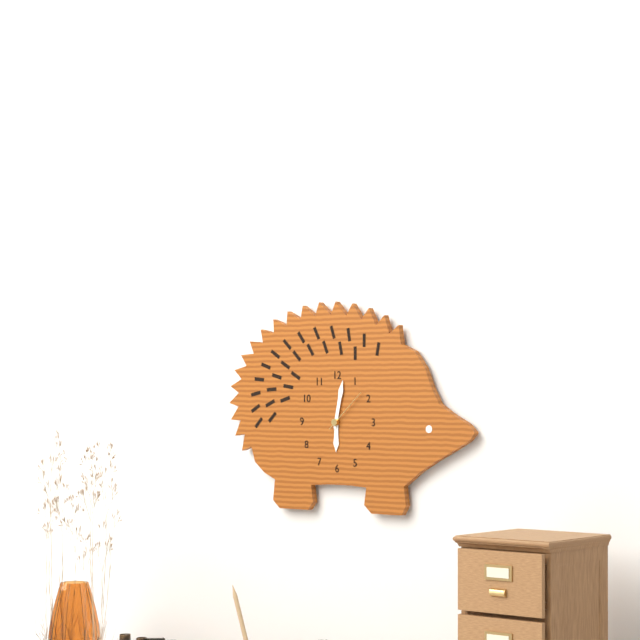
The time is 6 h 02 min
